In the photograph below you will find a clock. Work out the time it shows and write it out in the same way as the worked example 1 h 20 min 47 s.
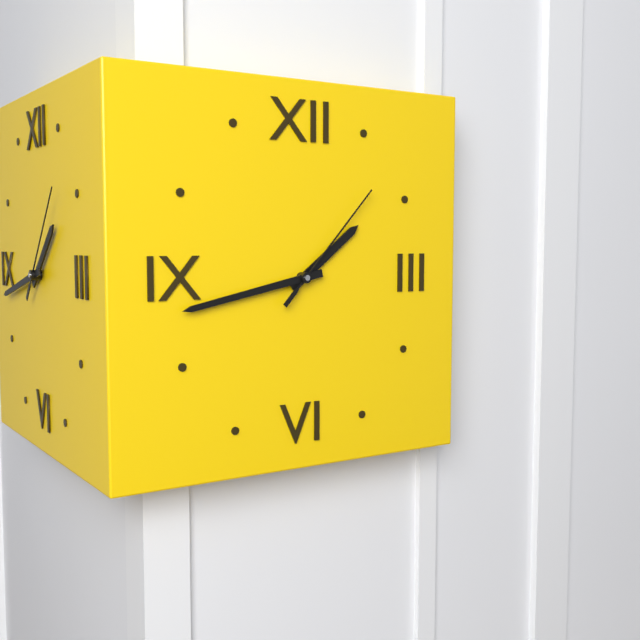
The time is 1 h 43 min 07 s
